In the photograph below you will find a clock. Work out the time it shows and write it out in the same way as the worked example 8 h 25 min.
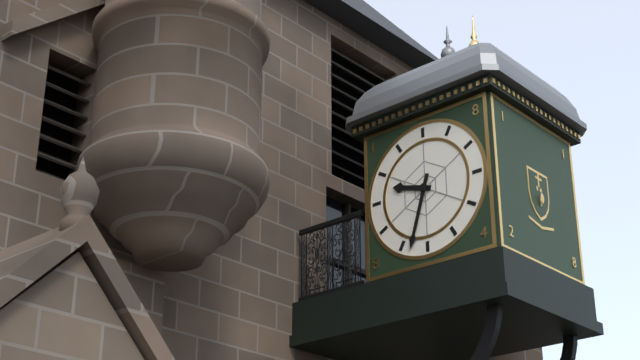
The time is 9 h 33 min
